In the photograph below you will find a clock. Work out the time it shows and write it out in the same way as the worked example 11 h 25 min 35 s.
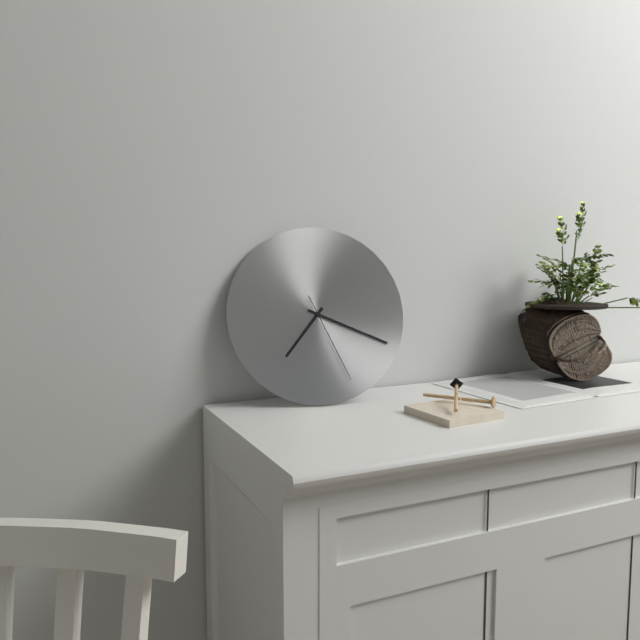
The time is 7 h 19 min 26 s
